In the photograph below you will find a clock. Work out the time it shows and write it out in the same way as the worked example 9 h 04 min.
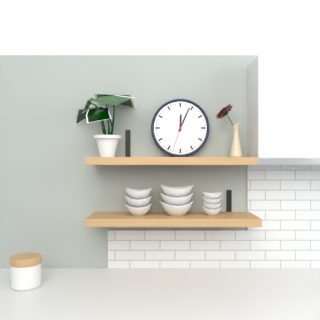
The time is 12 h 04 min
